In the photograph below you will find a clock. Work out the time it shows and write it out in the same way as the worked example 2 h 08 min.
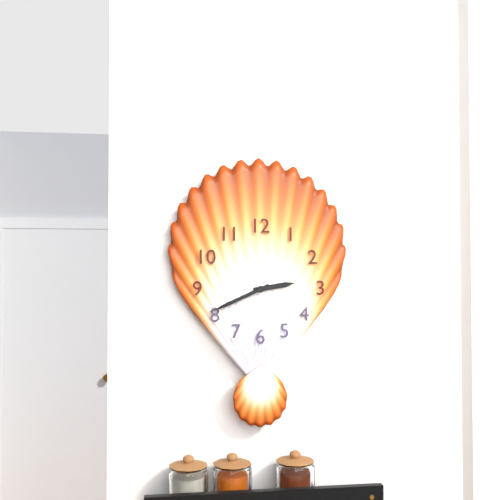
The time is 2 h 41 min
